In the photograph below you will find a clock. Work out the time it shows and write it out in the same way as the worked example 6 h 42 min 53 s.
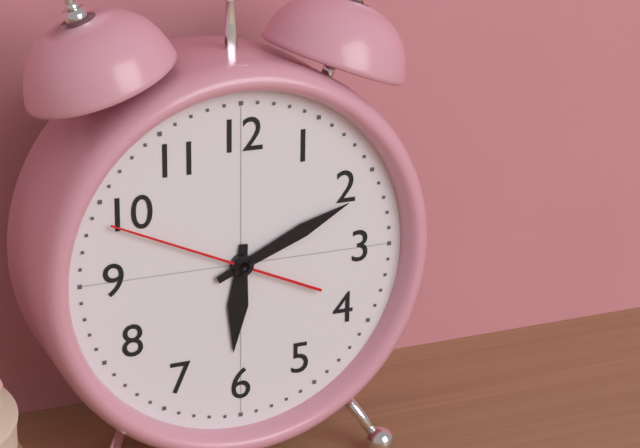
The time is 6 h 11 min 49 s
